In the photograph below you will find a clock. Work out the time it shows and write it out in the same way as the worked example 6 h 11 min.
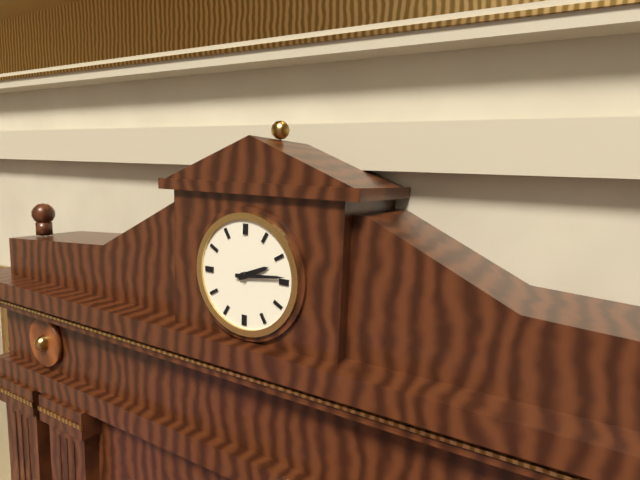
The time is 2 h 14 min
